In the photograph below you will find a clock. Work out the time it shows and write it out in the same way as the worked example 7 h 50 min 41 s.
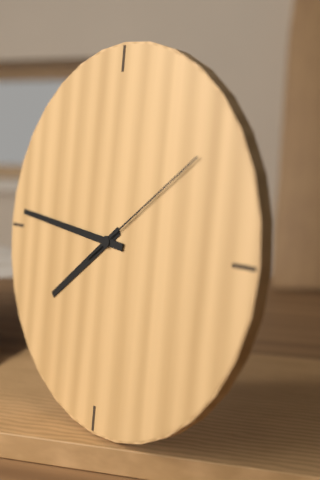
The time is 7 h 46 min 09 s
